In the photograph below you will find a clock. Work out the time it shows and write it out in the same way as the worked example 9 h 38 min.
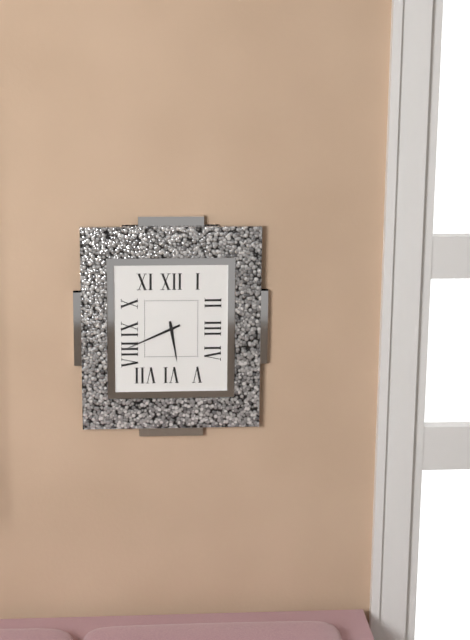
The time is 5 h 41 min
